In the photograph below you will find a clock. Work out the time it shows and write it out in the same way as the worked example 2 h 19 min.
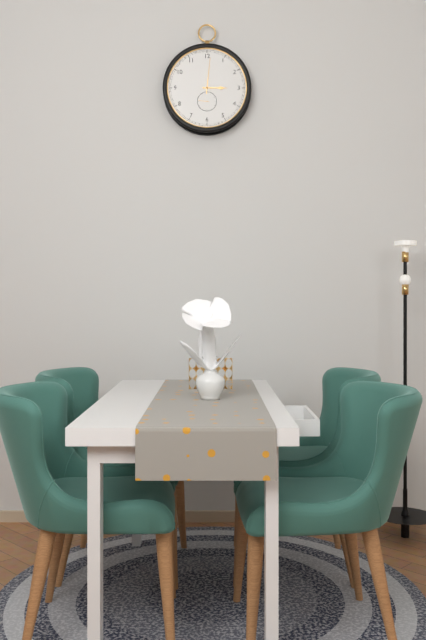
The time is 3 h 01 min
